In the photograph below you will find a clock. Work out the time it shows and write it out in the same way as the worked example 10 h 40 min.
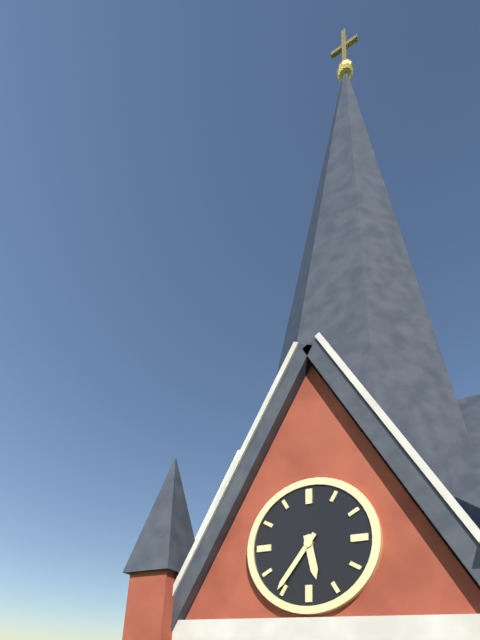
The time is 5 h 36 min
